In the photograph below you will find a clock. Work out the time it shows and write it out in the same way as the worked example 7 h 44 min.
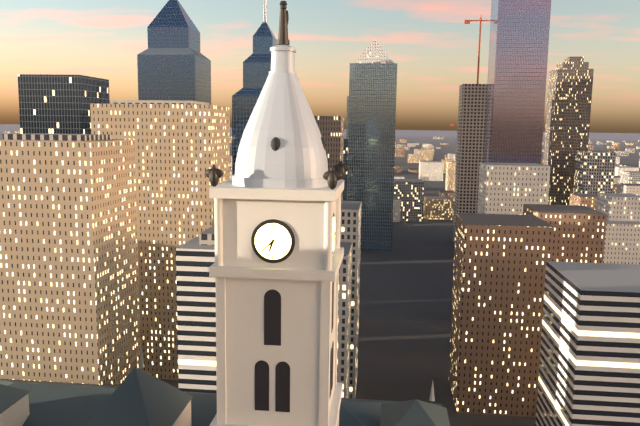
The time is 6 h 38 min
